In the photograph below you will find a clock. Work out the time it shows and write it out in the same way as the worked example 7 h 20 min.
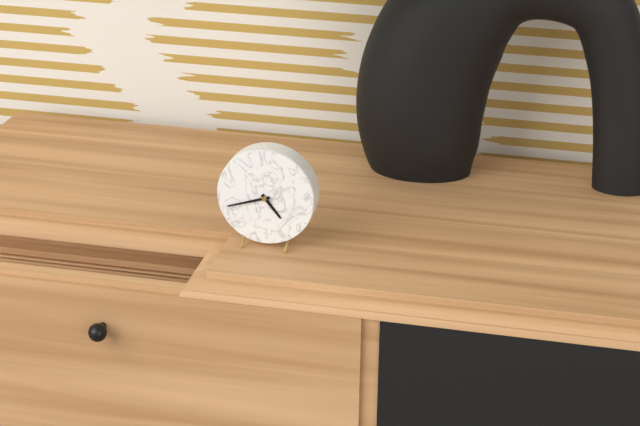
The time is 4 h 42 min
